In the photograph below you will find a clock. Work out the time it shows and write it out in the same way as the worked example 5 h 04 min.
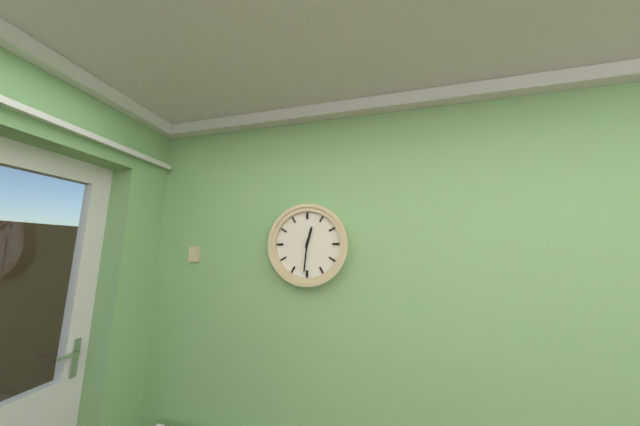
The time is 12 h 31 min
